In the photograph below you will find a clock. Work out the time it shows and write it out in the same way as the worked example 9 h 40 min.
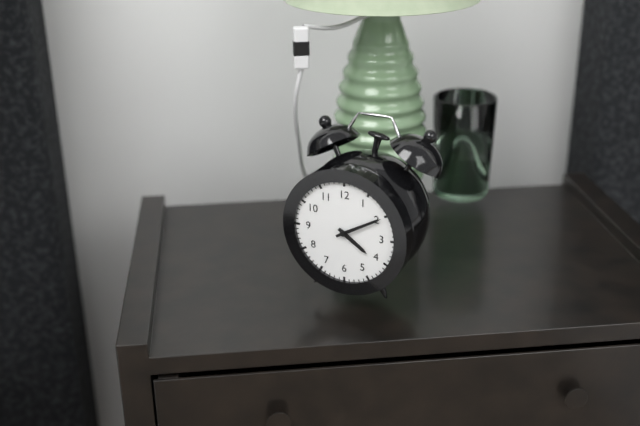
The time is 4 h 10 min
